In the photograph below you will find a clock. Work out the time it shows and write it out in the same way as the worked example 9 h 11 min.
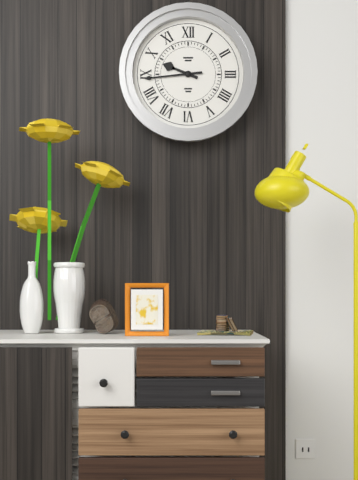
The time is 9 h 44 min
